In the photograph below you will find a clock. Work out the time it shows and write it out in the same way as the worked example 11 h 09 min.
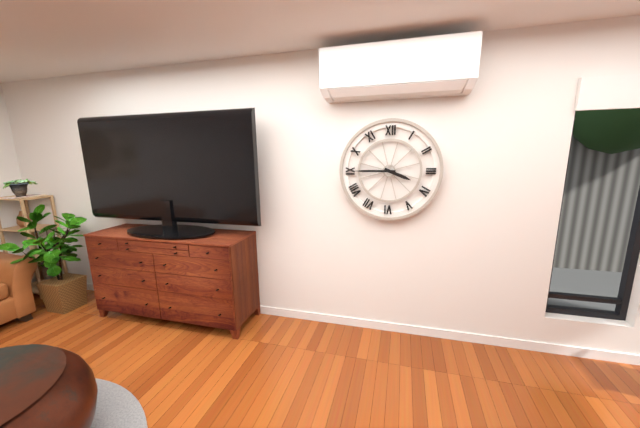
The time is 3 h 45 min
